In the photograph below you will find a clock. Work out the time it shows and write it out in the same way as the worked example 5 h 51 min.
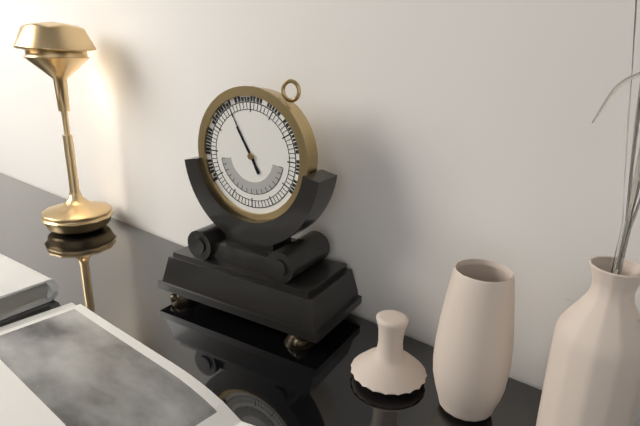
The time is 10 h 55 min
